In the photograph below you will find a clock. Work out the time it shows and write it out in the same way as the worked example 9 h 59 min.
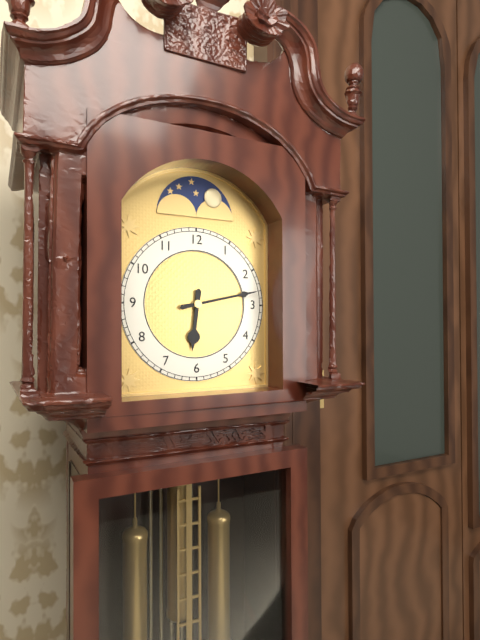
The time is 6 h 13 min
